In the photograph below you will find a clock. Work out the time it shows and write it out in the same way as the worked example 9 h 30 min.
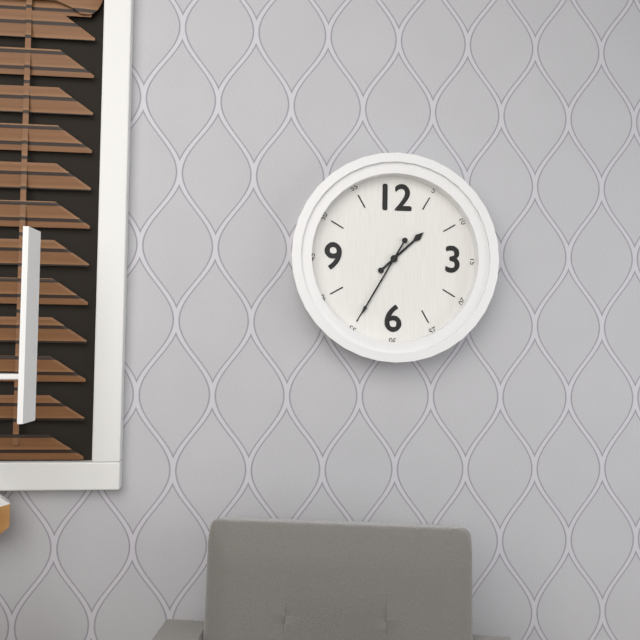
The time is 1 h 35 min
